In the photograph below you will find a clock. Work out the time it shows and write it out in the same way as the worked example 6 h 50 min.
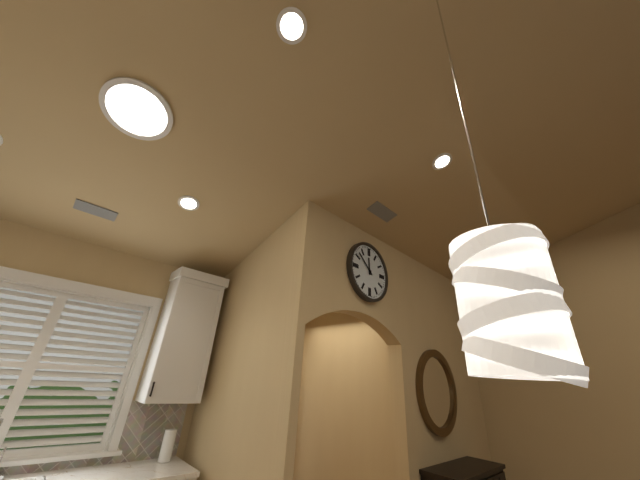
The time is 11 h 52 min
